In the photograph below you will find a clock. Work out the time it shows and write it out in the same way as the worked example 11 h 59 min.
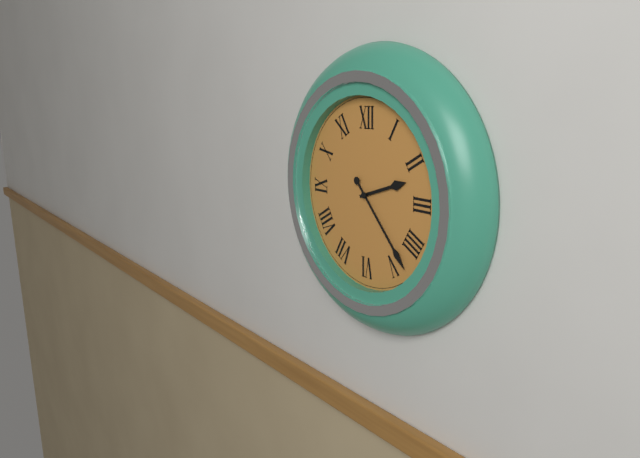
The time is 2 h 23 min
